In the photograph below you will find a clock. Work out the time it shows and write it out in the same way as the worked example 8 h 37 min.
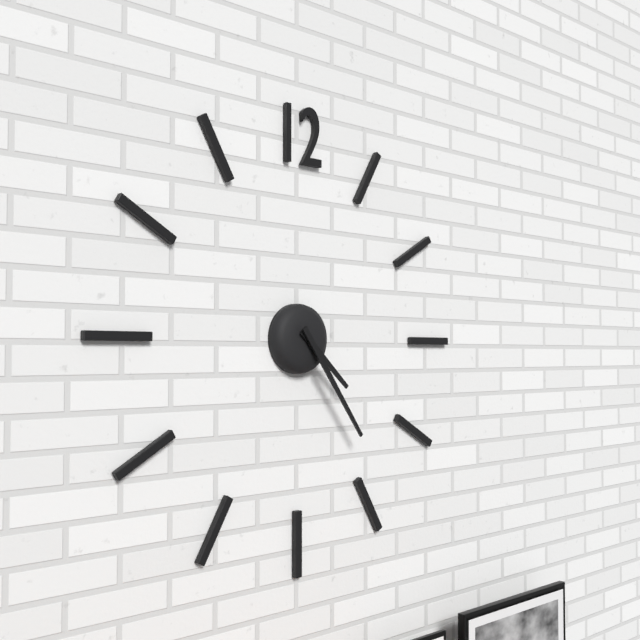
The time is 4 h 24 min
